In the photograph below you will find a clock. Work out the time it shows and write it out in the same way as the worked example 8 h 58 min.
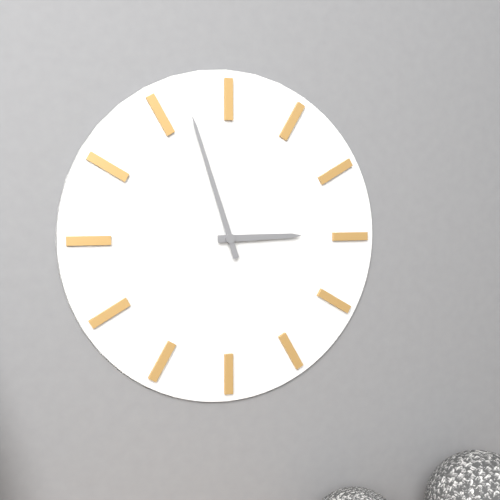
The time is 2 h 57 min
